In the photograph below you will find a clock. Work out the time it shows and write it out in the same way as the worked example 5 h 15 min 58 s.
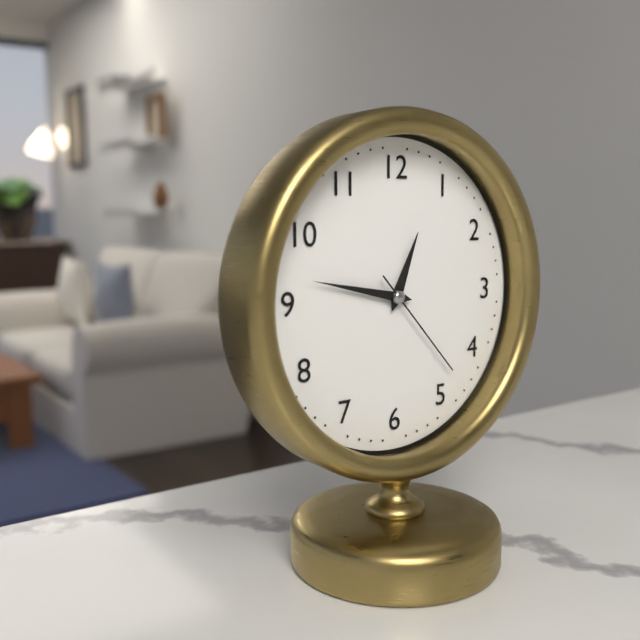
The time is 12 h 47 min 23 s
